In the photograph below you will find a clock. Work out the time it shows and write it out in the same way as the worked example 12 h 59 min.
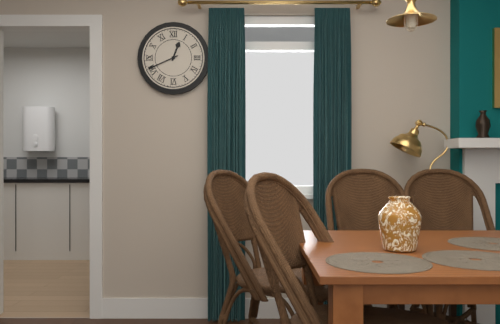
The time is 12 h 41 min
